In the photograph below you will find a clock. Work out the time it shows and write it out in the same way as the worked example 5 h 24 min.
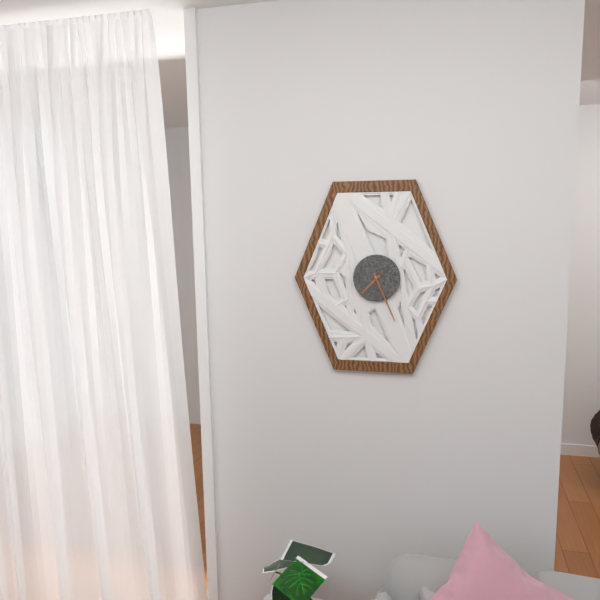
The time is 7 h 26 min
